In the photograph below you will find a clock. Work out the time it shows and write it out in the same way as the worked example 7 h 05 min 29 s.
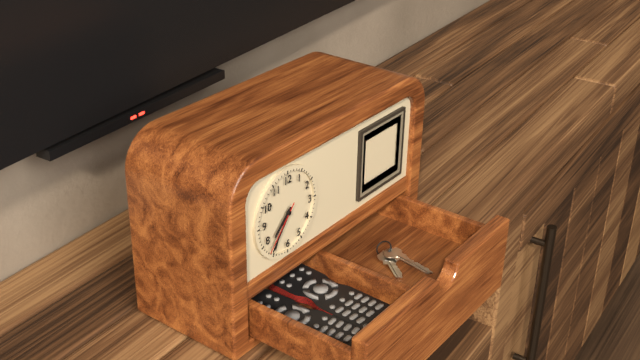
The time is 7 h 36 min 37 s
